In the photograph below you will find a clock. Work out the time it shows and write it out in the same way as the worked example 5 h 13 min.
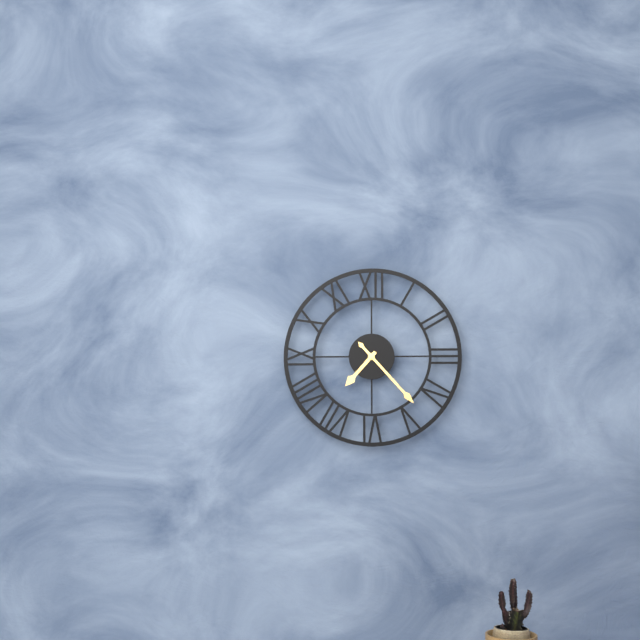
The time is 7 h 23 min
